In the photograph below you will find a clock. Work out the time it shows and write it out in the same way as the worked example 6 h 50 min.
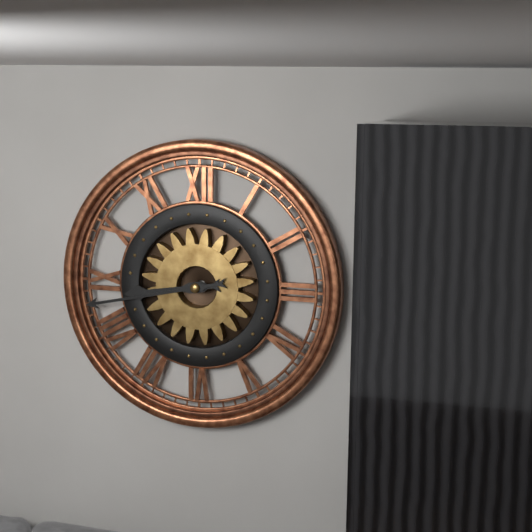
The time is 8 h 43 min
